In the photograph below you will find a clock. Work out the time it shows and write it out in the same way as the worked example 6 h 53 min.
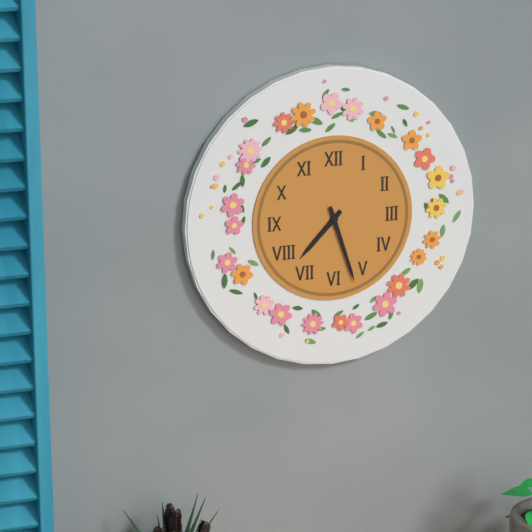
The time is 7 h 27 min
